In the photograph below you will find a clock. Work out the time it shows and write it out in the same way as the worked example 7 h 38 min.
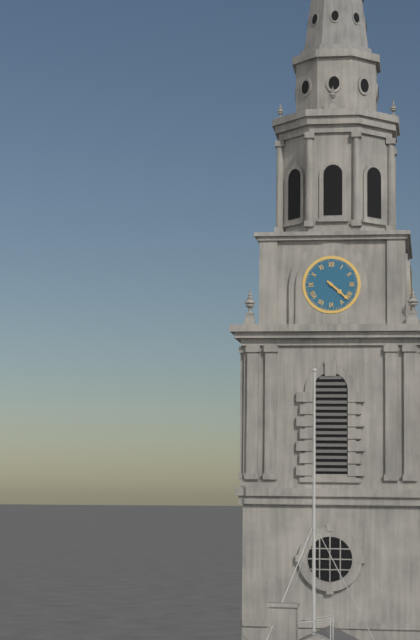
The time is 4 h 22 min
